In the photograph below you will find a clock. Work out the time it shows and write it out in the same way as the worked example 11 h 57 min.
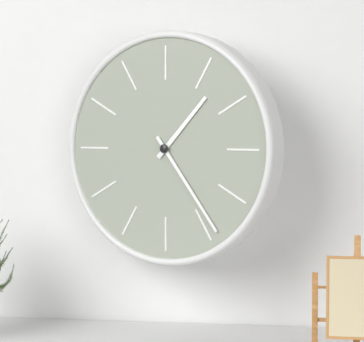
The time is 1 h 24 min
